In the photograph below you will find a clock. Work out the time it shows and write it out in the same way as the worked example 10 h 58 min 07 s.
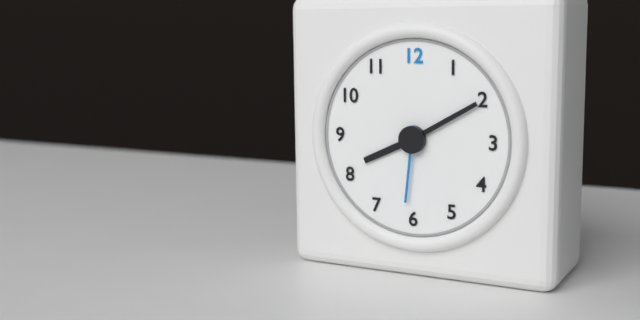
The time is 8 h 10 min 31 s
